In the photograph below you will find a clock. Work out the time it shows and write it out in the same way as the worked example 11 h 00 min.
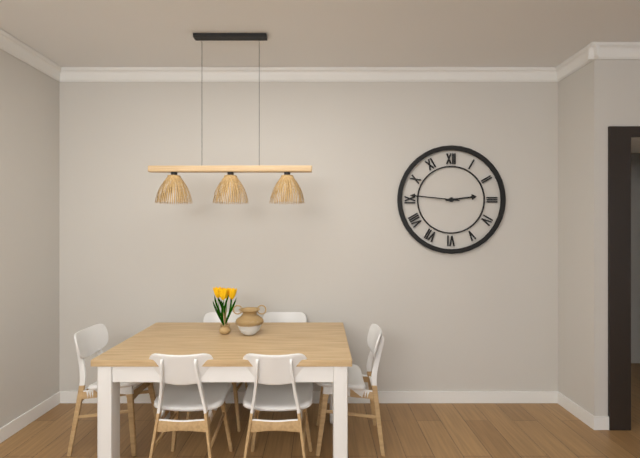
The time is 2 h 46 min
